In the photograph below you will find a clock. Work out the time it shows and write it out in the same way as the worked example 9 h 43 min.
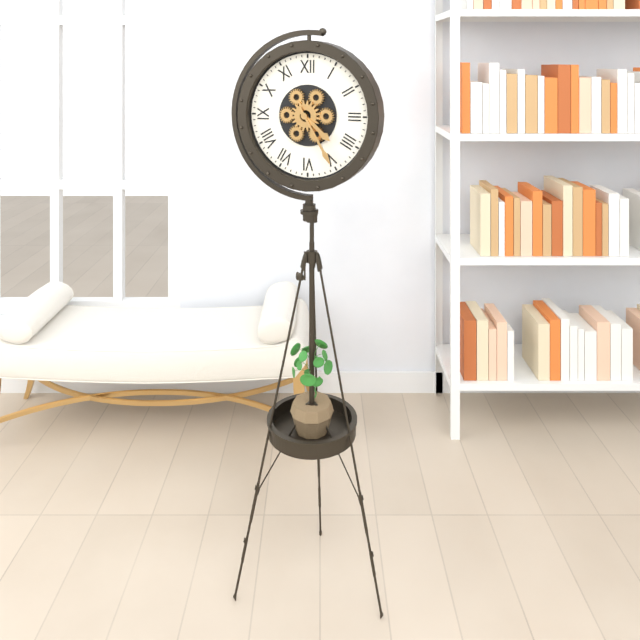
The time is 4 h 25 min
